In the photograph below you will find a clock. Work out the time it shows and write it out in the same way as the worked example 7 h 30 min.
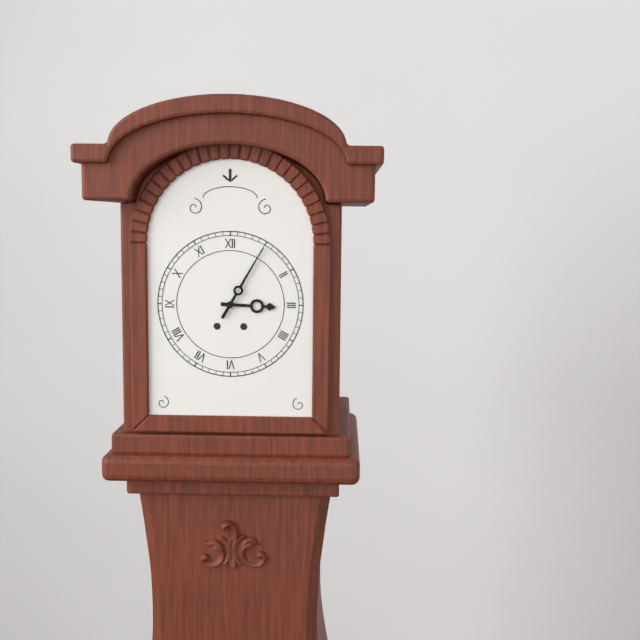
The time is 3 h 05 min
